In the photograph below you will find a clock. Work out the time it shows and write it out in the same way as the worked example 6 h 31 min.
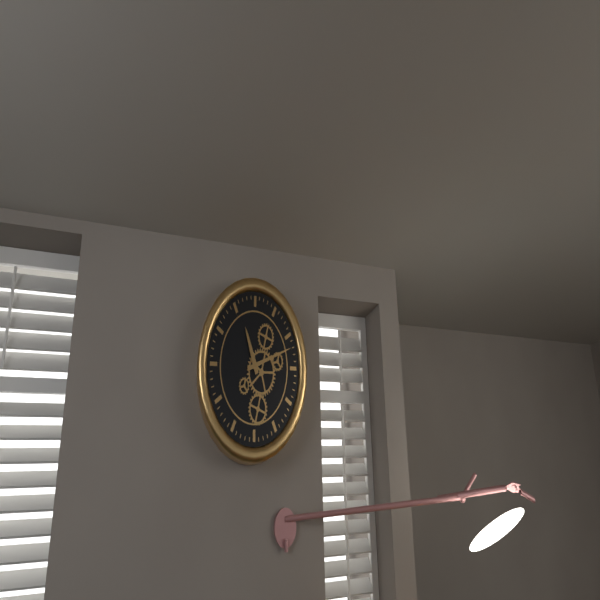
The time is 11 h 12 min
